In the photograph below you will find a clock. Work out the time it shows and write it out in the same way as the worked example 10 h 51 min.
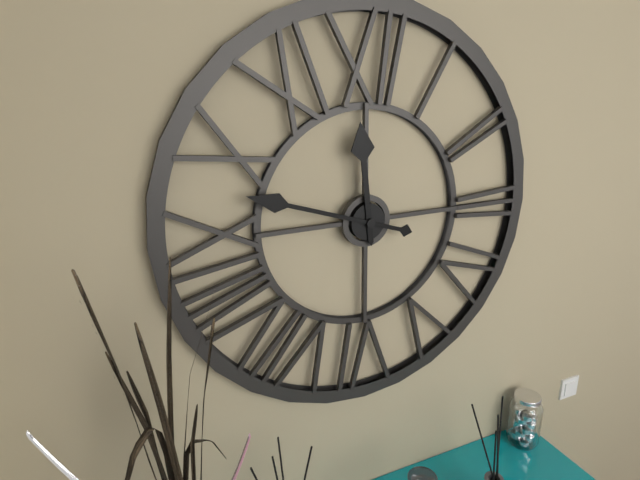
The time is 11 h 48 min
